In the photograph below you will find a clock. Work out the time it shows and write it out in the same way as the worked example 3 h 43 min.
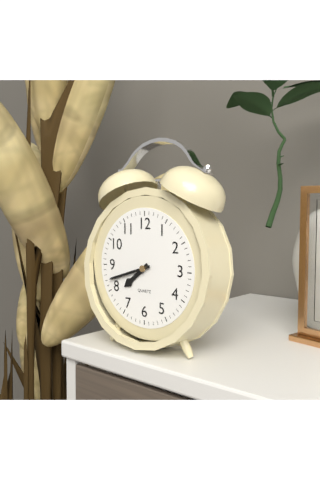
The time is 7 h 42 min
